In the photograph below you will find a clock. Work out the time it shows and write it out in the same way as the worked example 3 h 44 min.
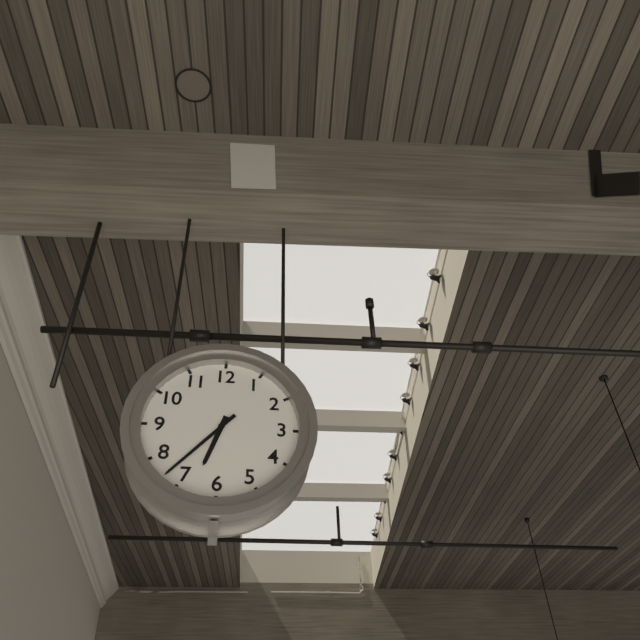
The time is 6 h 37 min
